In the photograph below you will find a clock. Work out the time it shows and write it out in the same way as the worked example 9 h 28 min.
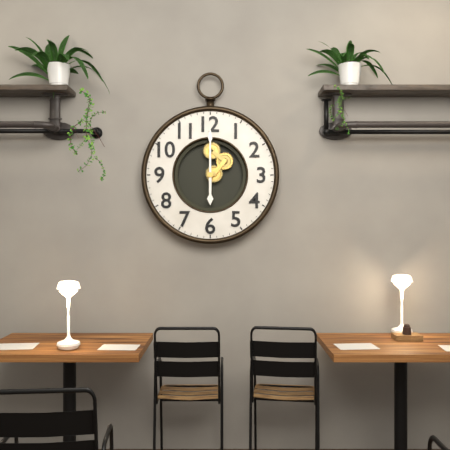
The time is 6 h 00 min
